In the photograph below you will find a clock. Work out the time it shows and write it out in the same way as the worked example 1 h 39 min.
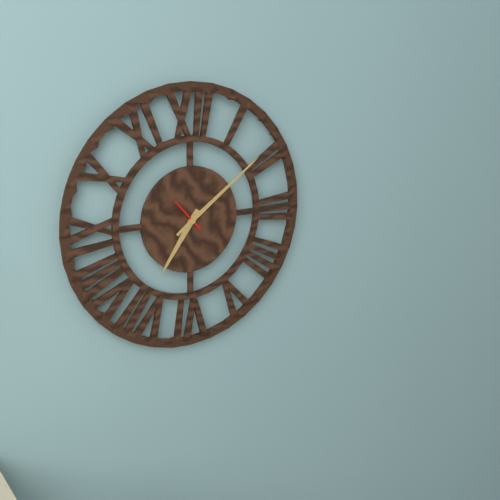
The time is 7 h 09 min
